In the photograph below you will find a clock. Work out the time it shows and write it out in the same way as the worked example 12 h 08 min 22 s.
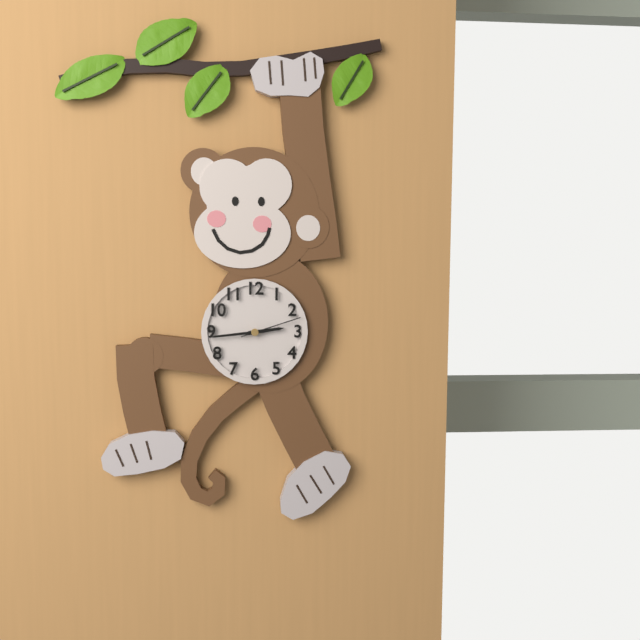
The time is 2 h 44 min 12 s
